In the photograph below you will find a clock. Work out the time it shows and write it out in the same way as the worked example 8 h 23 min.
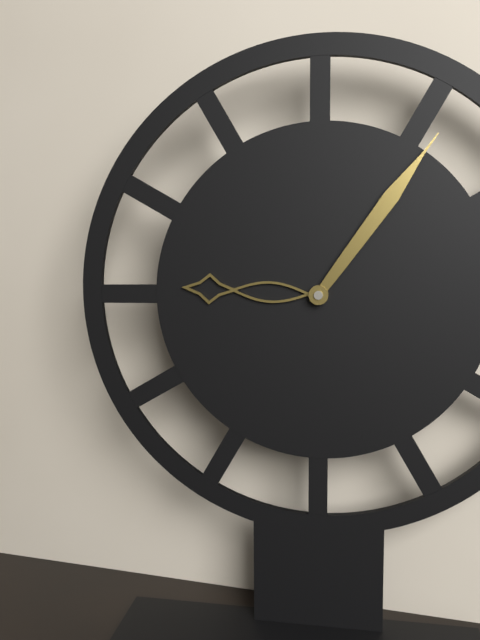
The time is 9 h 06 min
